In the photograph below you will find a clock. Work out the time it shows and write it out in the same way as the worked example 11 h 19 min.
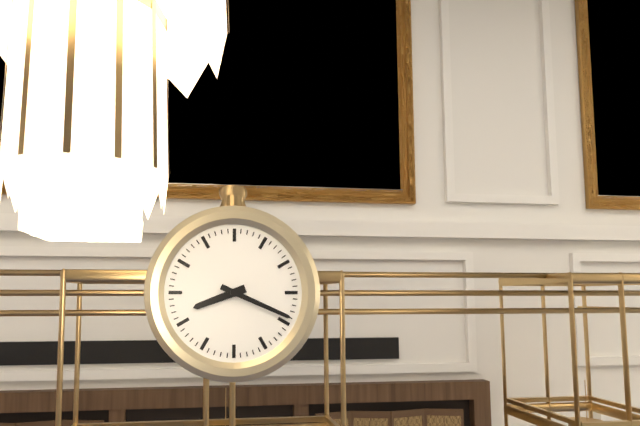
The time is 8 h 19 min
